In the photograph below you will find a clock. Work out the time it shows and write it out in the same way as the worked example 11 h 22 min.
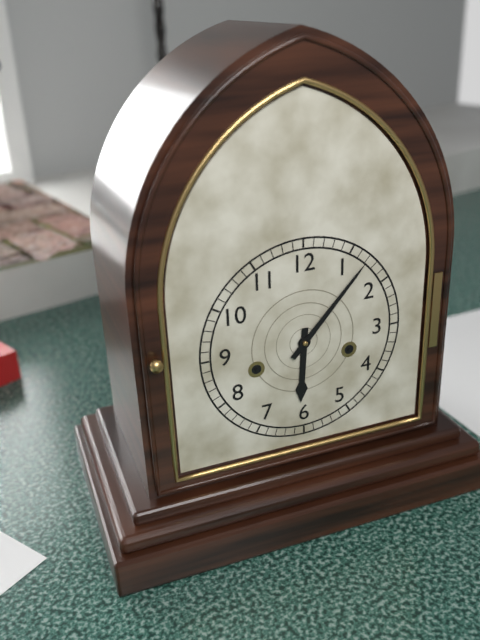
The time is 6 h 07 min
